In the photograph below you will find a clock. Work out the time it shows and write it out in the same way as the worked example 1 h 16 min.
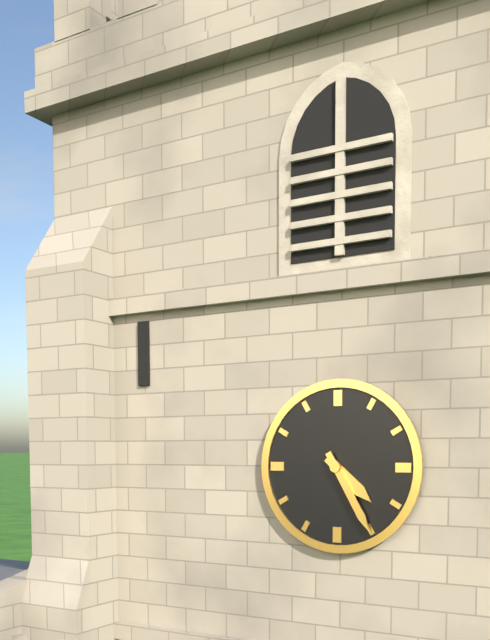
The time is 4 h 25 min
